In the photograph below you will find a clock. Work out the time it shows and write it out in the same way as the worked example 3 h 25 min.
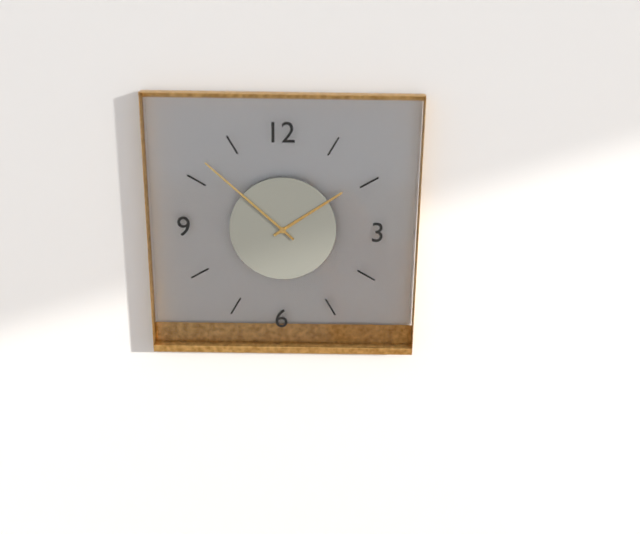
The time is 1 h 52 min
